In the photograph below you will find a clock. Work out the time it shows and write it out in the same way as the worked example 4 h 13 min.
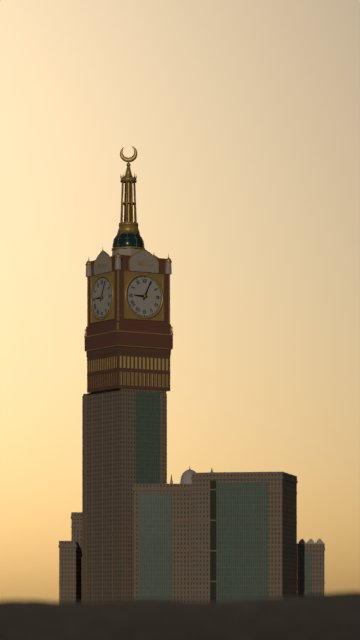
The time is 9 h 04 min
